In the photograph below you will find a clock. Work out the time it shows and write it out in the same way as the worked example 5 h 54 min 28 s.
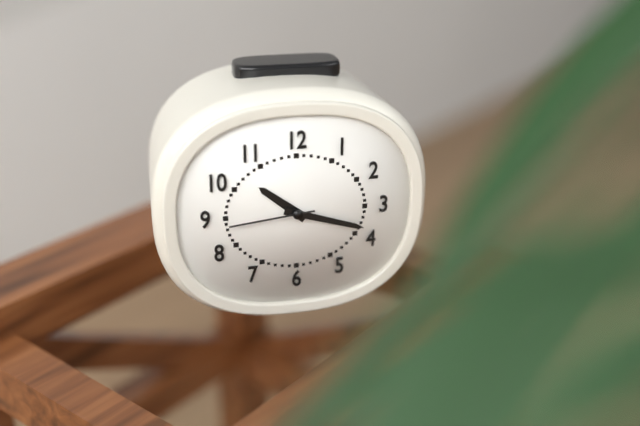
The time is 10 h 18 min 44 s
